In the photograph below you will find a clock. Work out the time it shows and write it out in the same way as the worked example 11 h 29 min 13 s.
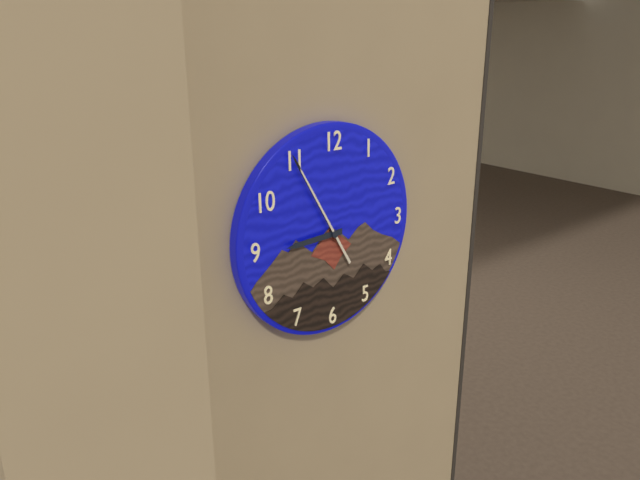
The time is 8 h 55 min 55 s
